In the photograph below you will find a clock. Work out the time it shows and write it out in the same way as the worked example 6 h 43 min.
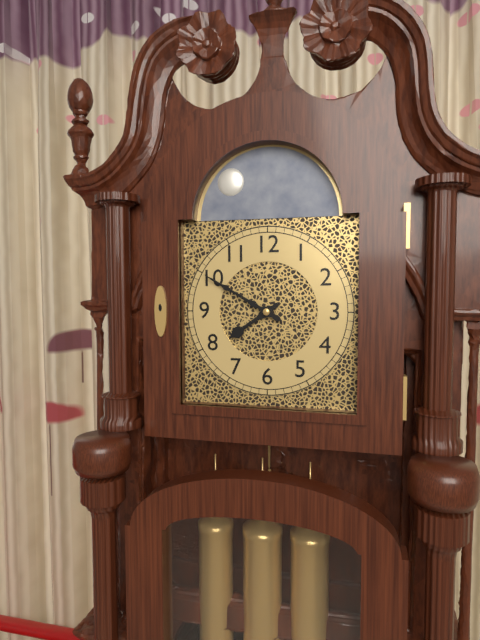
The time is 7 h 50 min
